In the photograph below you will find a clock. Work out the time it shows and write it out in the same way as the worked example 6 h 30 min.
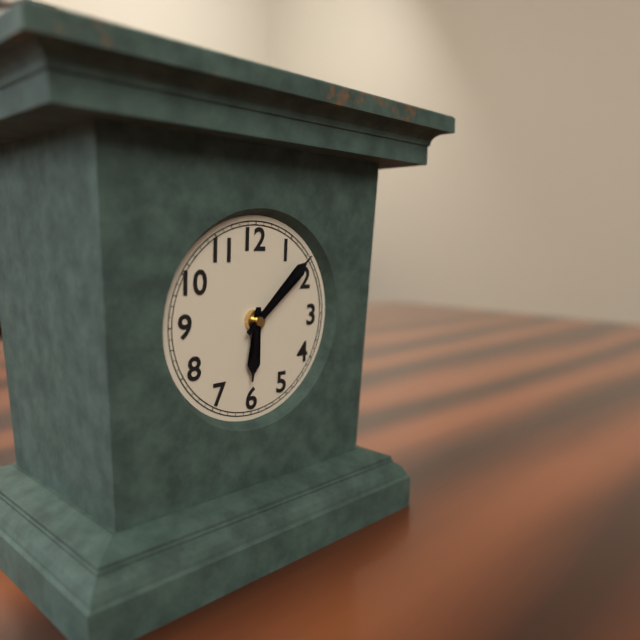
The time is 6 h 08 min
